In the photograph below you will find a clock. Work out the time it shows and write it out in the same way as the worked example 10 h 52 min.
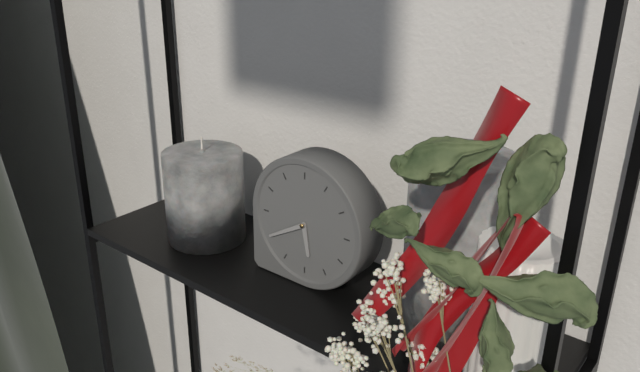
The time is 5 h 40 min
